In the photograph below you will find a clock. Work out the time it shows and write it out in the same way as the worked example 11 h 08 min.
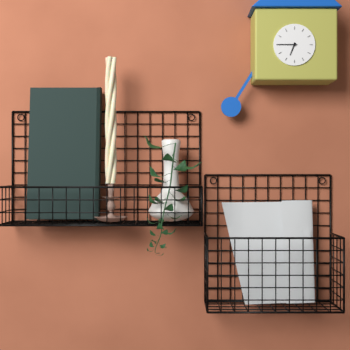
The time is 6 h 45 min
